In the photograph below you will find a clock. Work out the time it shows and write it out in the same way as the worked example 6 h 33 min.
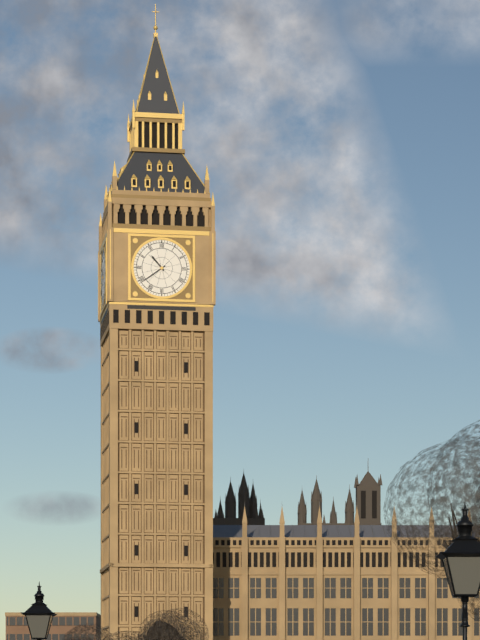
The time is 10 h 39 min
